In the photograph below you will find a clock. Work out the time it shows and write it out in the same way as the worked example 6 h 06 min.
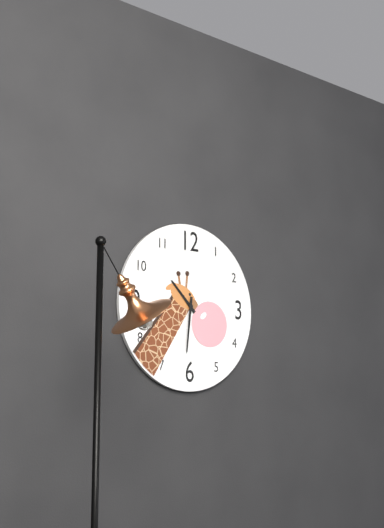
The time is 10 h 31 min
